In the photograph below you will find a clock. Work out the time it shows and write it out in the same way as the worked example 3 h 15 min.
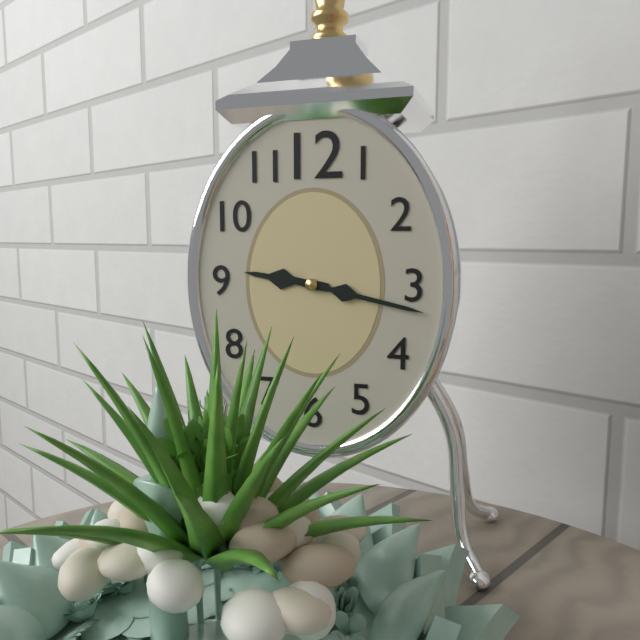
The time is 9 h 17 min
